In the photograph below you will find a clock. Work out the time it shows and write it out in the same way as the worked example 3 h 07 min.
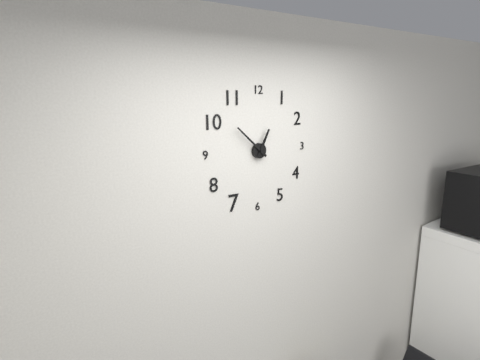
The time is 12 h 52 min
